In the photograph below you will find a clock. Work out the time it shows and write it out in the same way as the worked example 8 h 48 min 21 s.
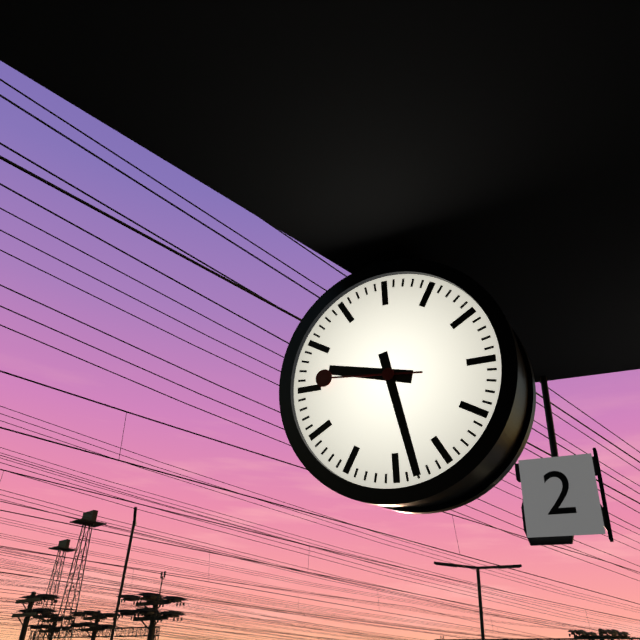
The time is 9 h 28 min 46 s
